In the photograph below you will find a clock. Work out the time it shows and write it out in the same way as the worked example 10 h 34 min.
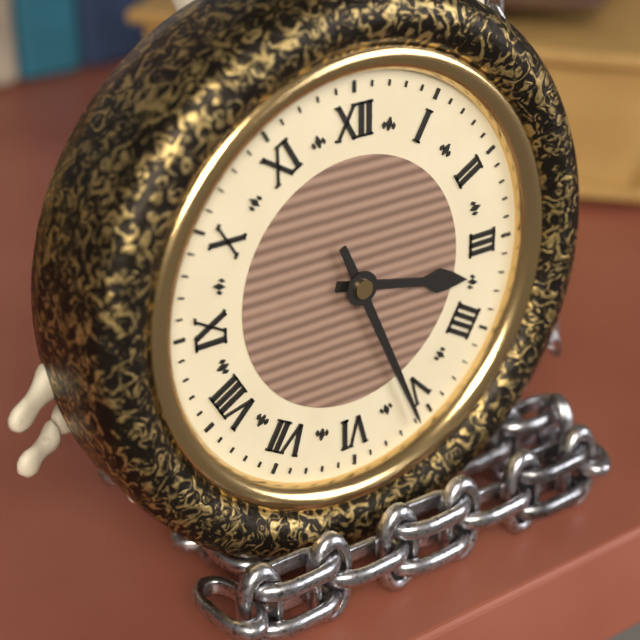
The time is 3 h 26 min
